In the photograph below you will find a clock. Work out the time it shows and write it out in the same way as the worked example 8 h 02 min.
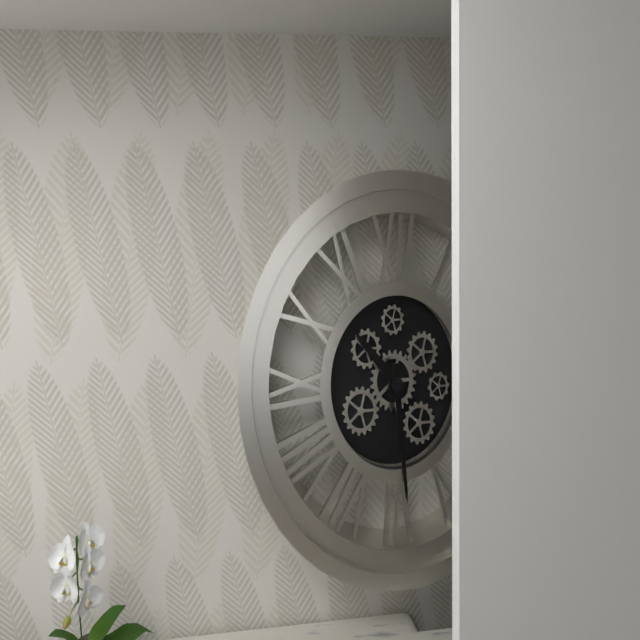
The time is 10 h 29 min
